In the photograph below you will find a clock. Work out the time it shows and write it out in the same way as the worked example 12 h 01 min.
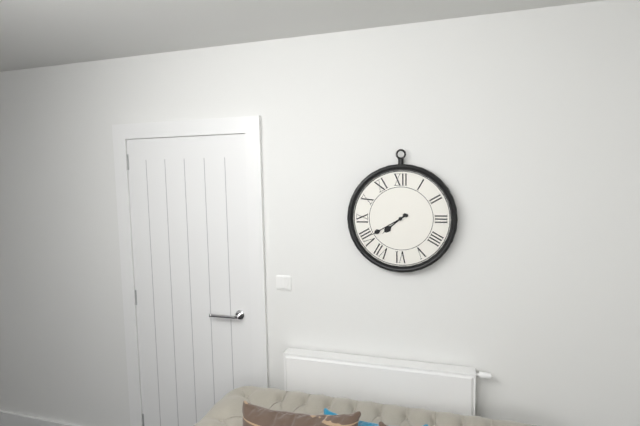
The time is 7 h 40 min
